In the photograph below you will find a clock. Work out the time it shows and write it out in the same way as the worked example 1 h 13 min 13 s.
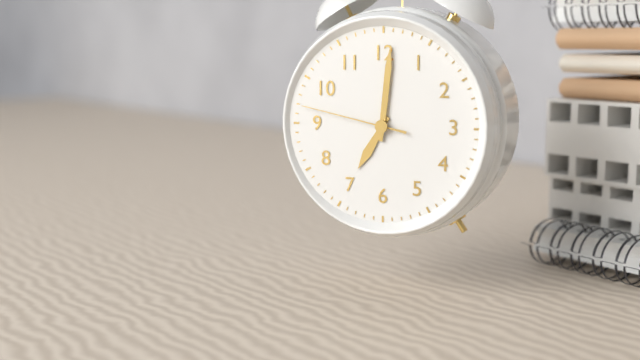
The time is 7 h 01 min 47 s
